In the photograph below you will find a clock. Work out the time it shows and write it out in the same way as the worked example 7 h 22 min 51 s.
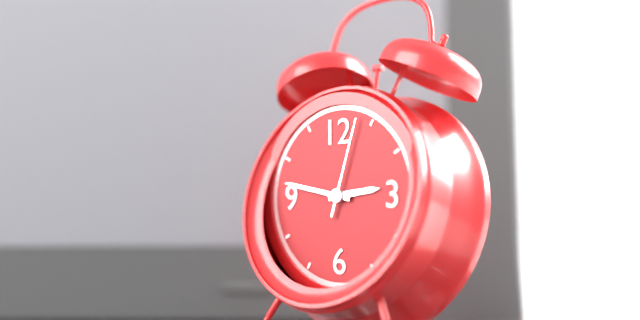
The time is 2 h 47 min 03 s
